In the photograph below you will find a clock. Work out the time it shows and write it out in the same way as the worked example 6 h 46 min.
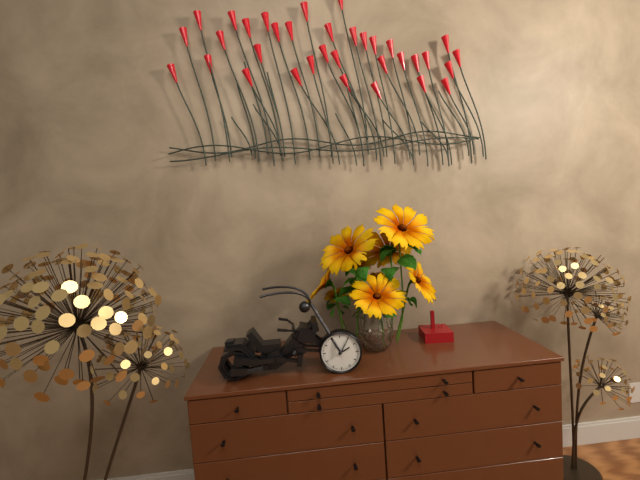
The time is 2 h 05 min
